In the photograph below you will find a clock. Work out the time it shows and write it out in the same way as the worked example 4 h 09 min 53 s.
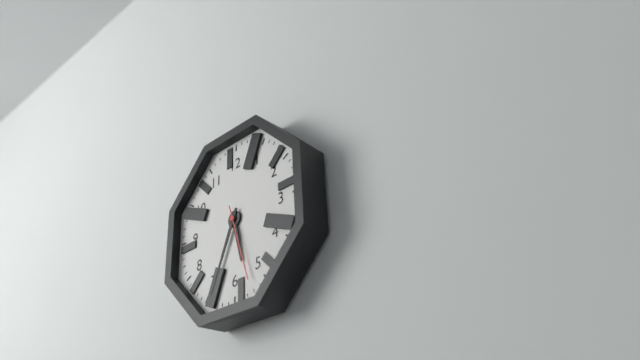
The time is 5 h 34 min 27 s
